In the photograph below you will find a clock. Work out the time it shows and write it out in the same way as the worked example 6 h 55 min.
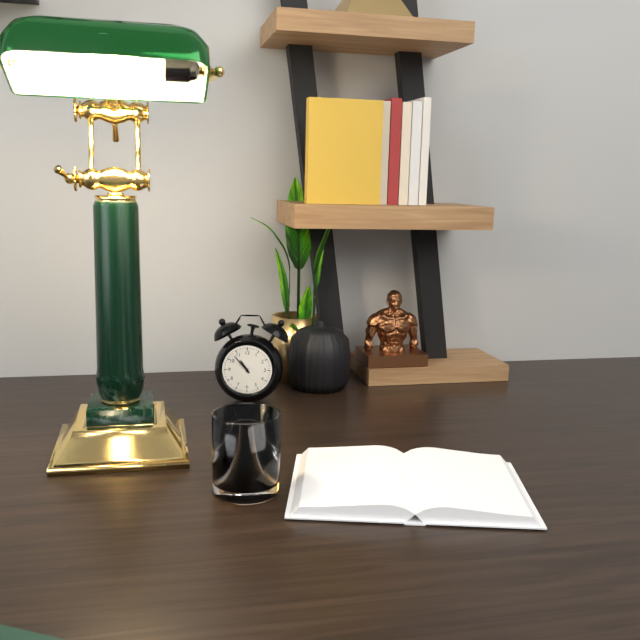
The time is 10 h 53 min
